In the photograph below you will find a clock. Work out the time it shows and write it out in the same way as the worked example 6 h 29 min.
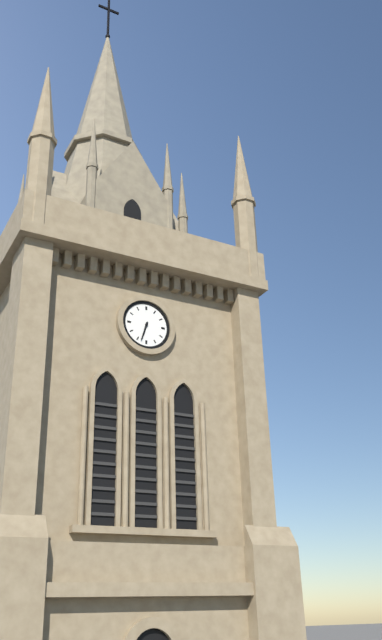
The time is 6 h 33 min
